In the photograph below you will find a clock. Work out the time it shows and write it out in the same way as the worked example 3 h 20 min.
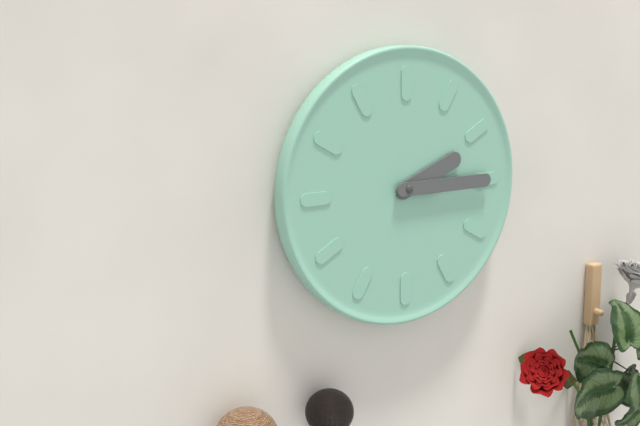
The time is 2 h 15 min
